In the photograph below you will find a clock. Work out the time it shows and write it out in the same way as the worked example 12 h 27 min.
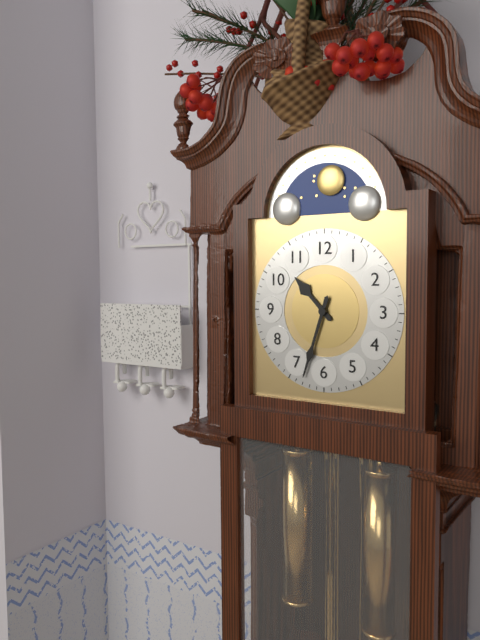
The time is 10 h 33 min
